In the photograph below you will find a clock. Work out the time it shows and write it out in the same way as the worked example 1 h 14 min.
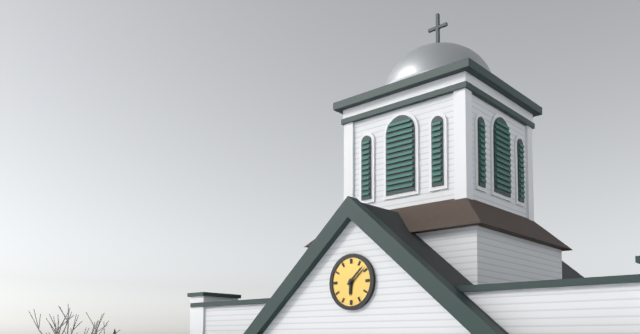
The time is 6 h 08 min
